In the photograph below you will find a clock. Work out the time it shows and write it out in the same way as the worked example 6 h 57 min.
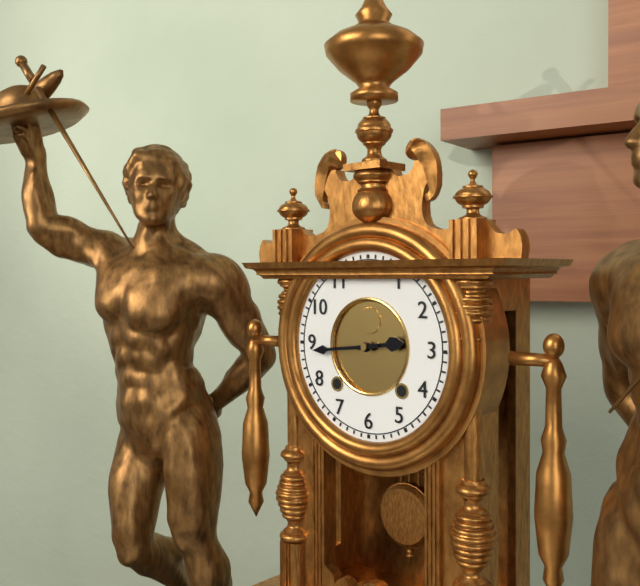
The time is 2 h 44 min
